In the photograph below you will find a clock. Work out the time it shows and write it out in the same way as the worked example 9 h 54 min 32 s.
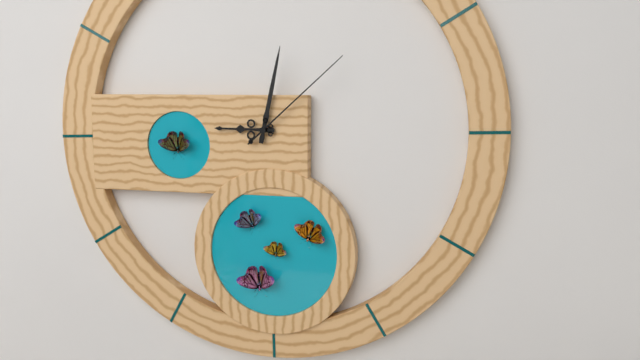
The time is 9 h 02 min 08 s
